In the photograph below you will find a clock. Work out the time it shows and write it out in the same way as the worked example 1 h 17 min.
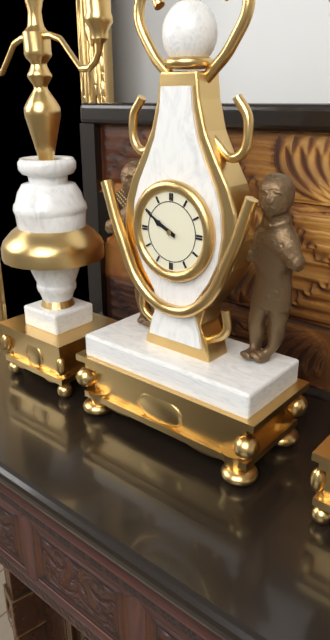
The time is 9 h 50 min
